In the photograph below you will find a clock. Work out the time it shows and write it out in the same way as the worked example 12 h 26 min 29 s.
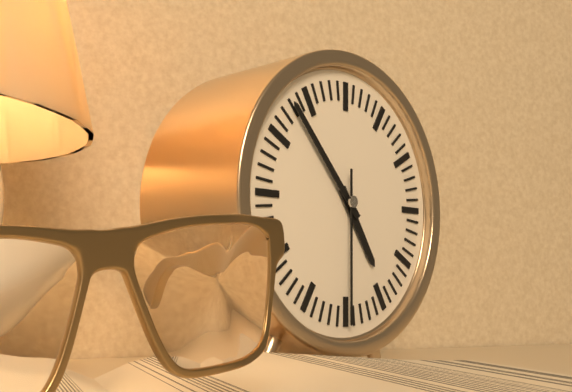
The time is 4 h 53 min 30 s
